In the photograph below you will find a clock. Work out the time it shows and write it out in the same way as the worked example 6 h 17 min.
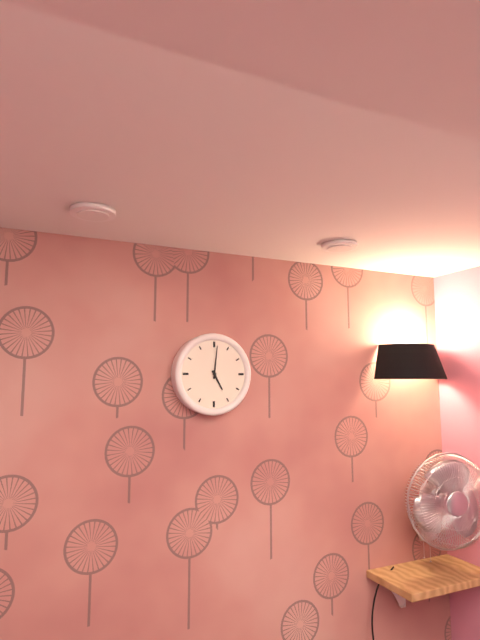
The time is 5 h 01 min
